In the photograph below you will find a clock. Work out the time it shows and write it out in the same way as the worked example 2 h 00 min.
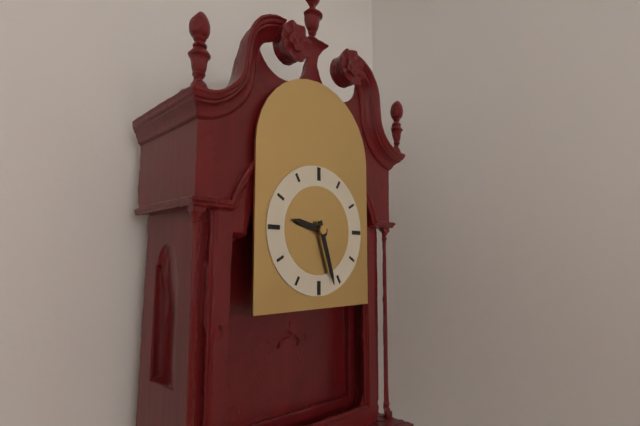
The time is 9 h 27 min
